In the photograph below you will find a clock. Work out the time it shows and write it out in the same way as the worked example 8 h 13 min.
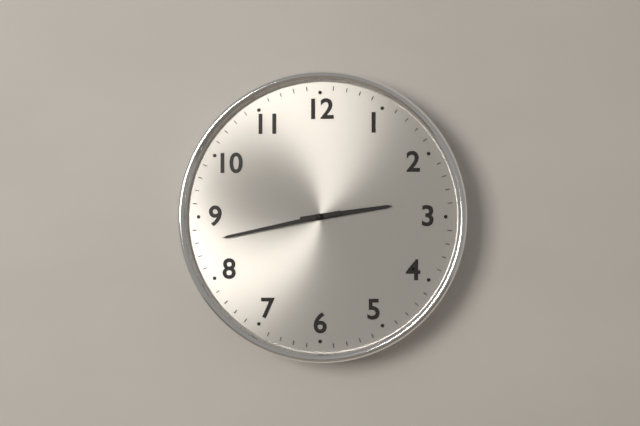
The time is 2 h 43 min
